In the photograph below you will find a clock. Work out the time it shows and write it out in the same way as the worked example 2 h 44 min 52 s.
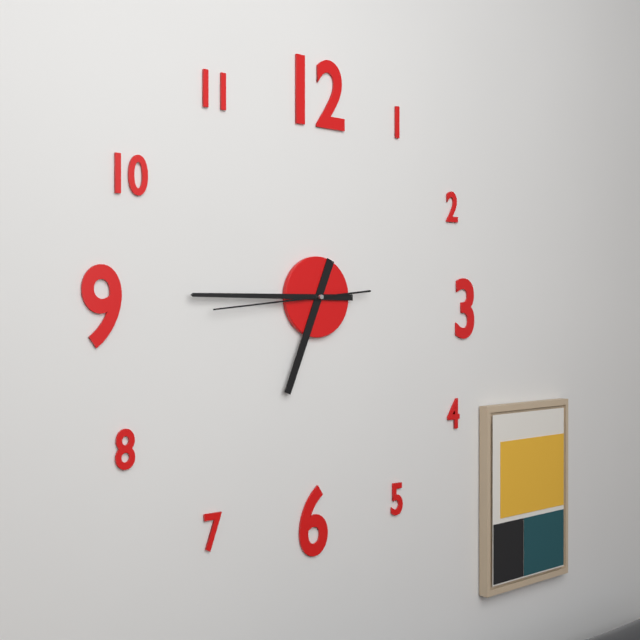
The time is 6 h 45 min 44 s
